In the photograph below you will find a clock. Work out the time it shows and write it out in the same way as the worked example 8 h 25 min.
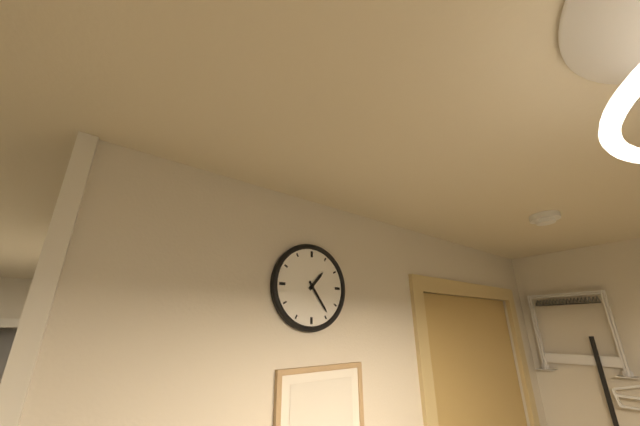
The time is 1 h 24 min
